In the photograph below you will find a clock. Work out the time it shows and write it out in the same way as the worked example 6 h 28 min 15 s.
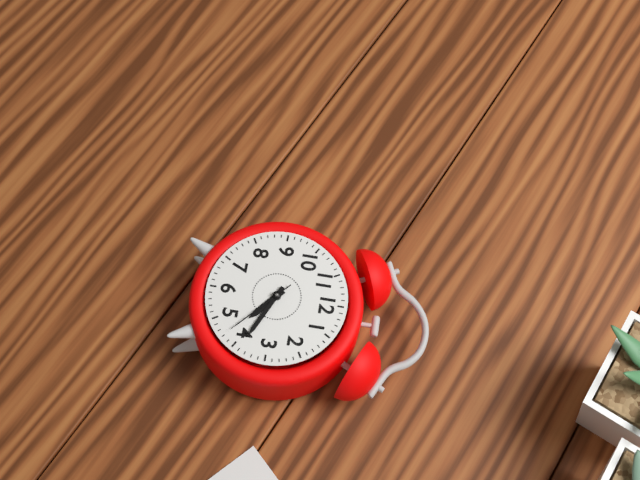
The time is 4 h 19 min 22 s
